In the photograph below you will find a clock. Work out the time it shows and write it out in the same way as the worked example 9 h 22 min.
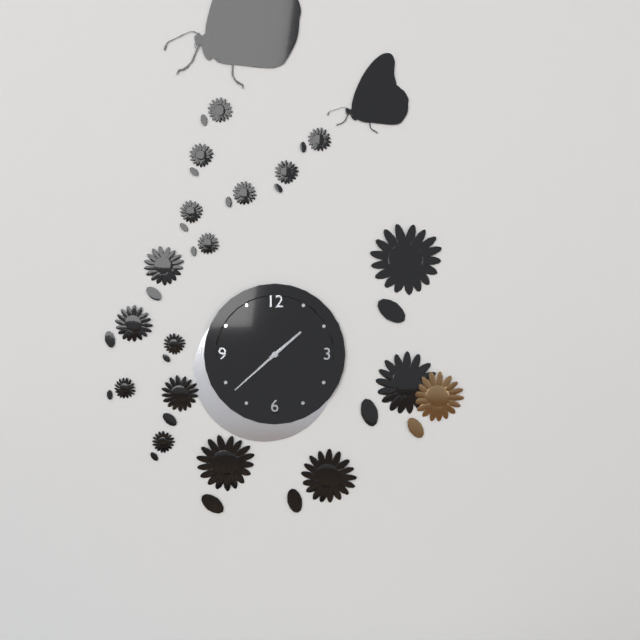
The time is 1 h 38 min
